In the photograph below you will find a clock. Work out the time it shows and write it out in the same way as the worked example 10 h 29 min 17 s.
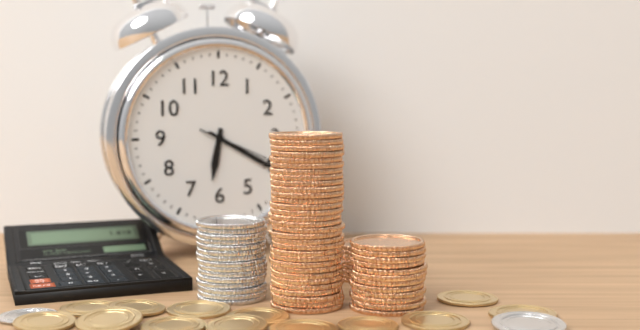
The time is 6 h 20 min 19 s
